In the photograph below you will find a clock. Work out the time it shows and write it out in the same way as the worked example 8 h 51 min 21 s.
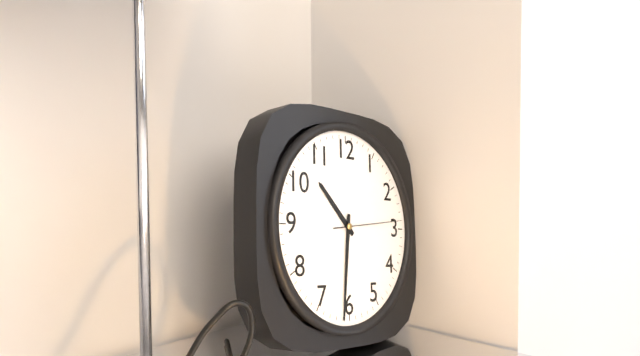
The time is 10 h 31 min 14 s
